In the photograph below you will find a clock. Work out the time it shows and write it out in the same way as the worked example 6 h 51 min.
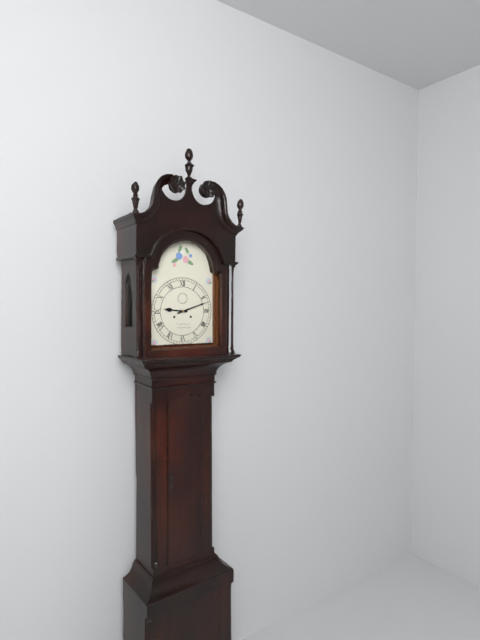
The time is 9 h 12 min
